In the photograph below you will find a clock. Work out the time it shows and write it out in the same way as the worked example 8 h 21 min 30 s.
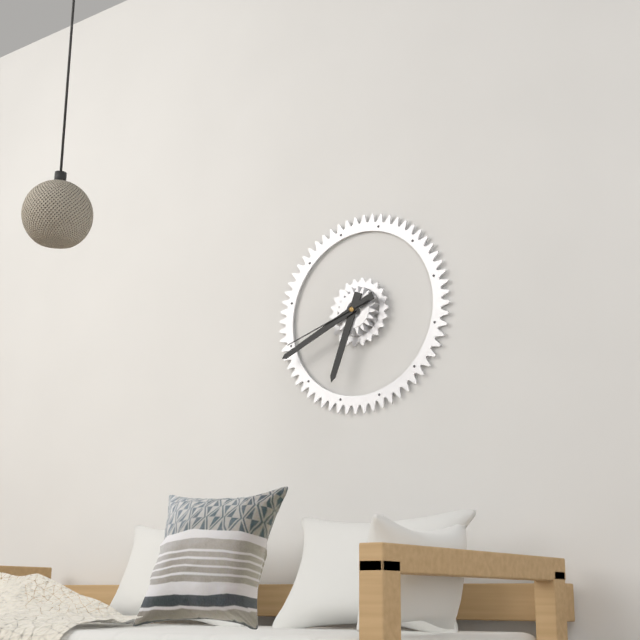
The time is 6 h 41 min 42 s
